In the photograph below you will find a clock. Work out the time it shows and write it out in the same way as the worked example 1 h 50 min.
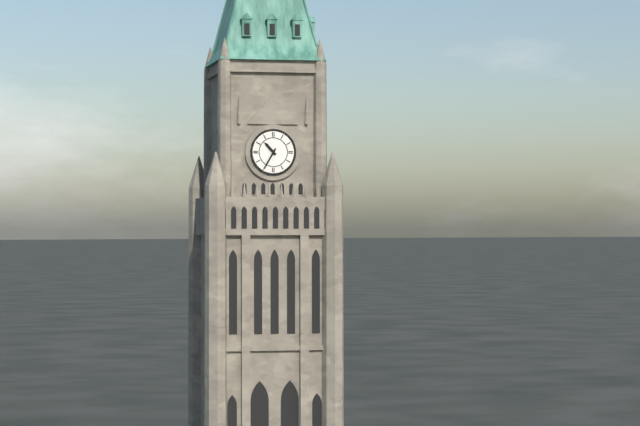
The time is 10 h 35 min
